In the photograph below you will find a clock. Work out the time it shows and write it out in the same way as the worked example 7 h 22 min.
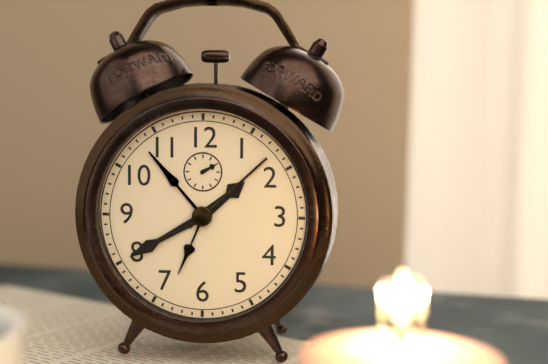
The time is 1 h 40 min
